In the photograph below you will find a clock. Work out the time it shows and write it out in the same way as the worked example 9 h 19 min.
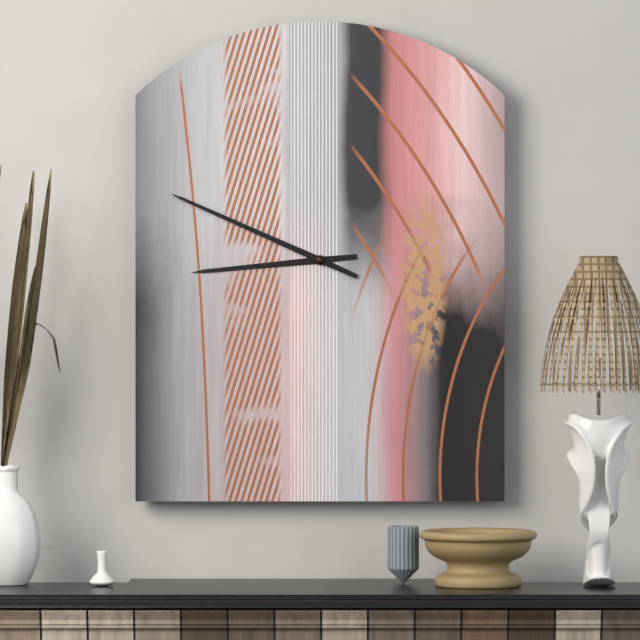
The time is 8 h 49 min
